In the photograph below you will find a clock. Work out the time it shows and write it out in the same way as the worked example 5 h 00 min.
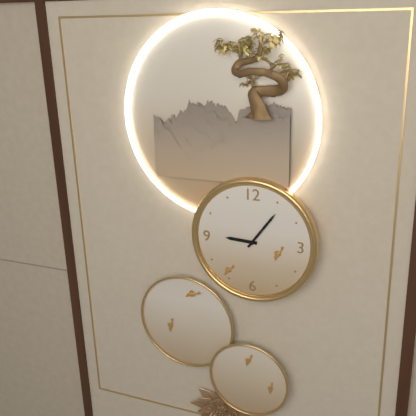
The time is 9 h 06 min
